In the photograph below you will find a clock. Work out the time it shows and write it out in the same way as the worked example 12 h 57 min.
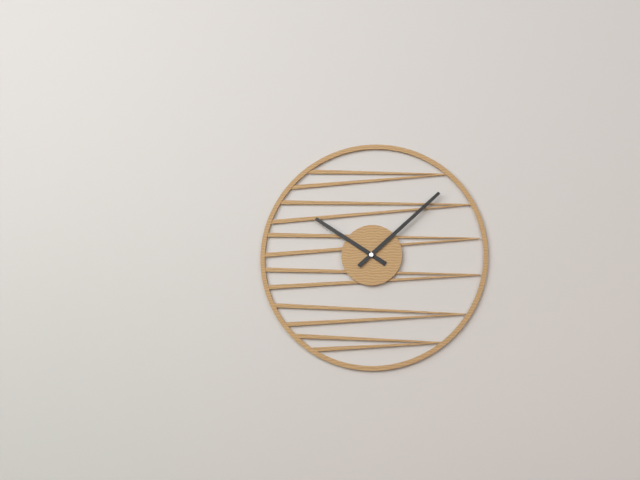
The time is 10 h 08 min
